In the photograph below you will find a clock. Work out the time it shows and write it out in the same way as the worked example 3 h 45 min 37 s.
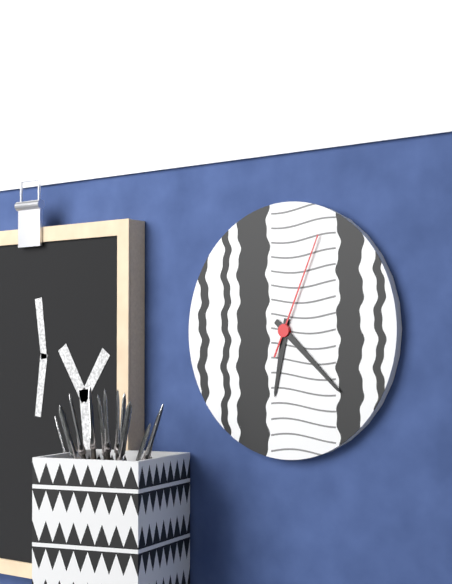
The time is 6 h 22 min 04 s
